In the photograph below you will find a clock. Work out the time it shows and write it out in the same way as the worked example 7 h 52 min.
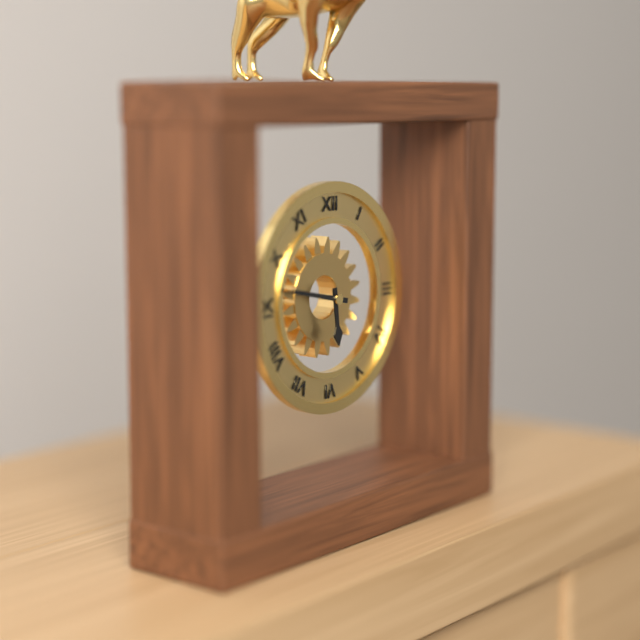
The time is 5 h 47 min
